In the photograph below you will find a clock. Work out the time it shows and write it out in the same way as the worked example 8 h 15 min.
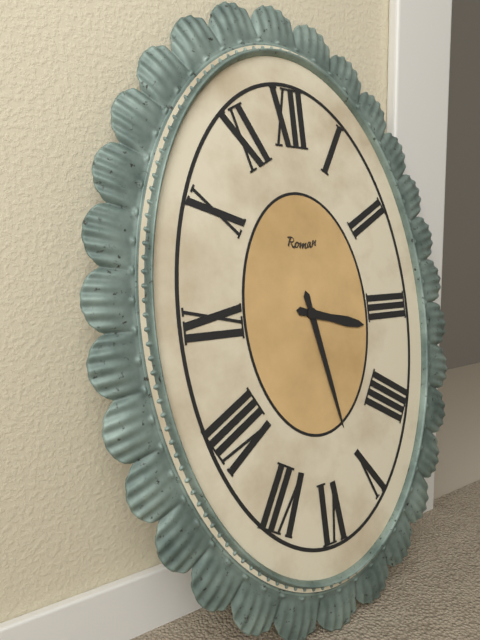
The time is 3 h 28 min
